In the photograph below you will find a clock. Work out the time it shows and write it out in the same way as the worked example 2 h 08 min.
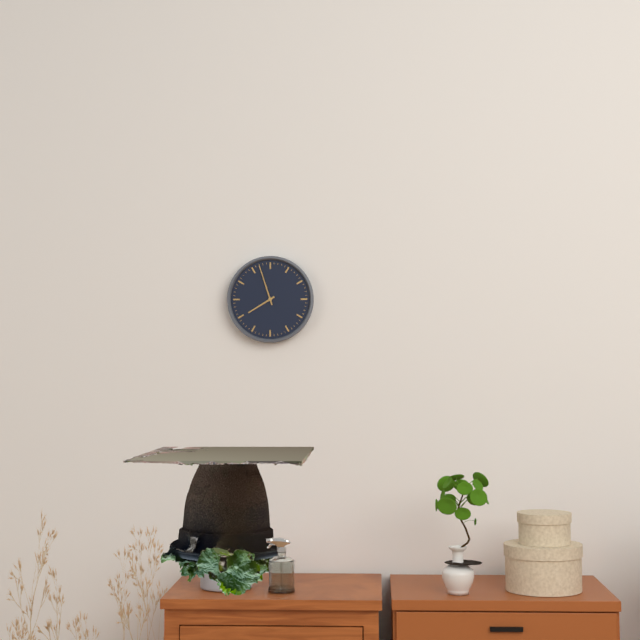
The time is 7 h 57 min
